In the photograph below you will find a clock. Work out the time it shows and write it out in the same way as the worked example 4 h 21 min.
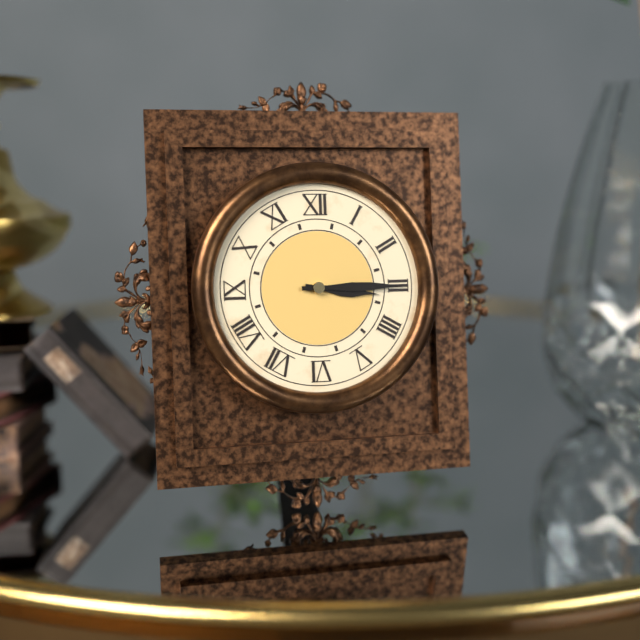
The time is 3 h 15 min
